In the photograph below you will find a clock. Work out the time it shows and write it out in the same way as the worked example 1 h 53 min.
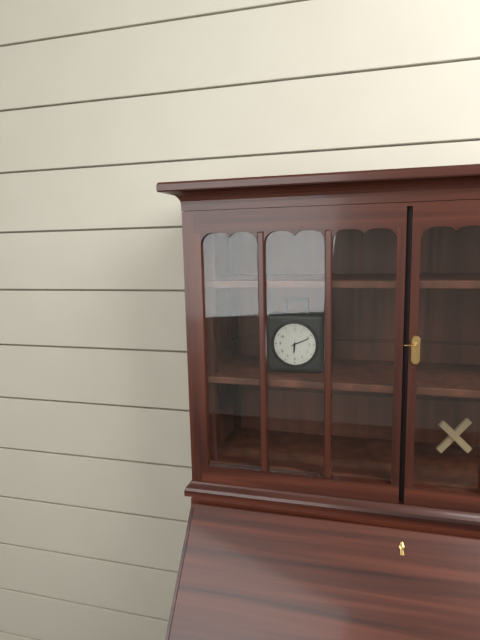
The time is 6 h 11 min
